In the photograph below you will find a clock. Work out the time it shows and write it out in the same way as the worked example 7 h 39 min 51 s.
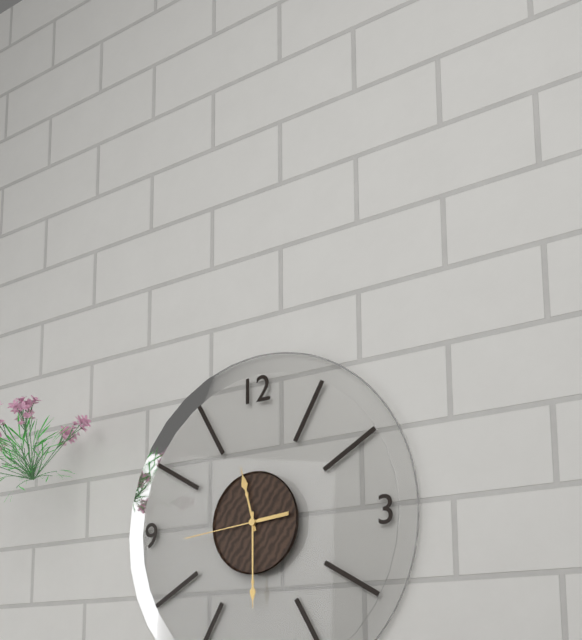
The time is 11 h 30 min 44 s
